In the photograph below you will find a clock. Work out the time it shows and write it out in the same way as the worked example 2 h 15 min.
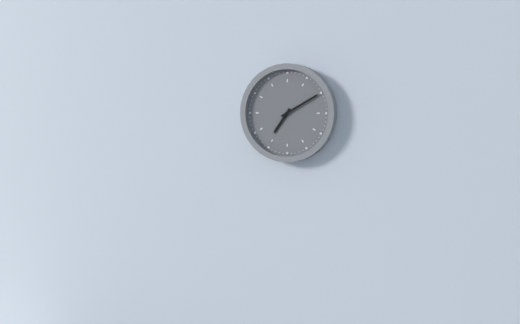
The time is 7 h 10 min
